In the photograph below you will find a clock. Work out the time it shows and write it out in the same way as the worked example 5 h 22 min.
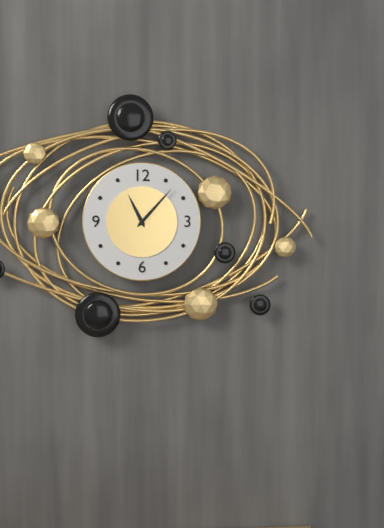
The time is 11 h 07 min
